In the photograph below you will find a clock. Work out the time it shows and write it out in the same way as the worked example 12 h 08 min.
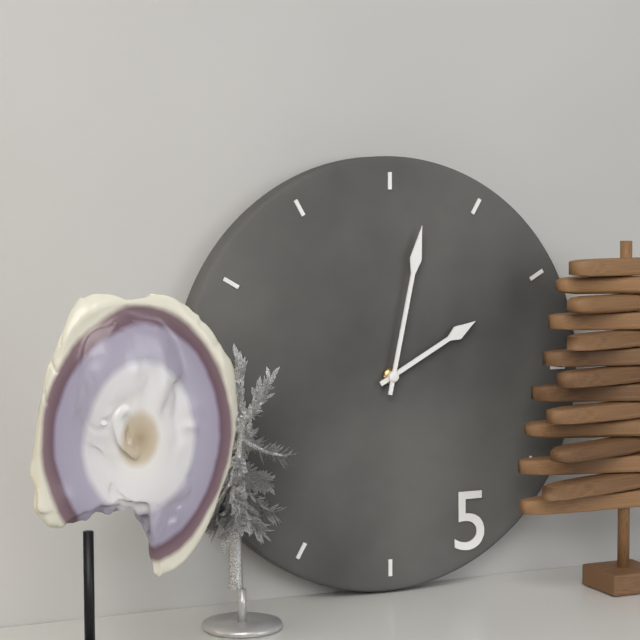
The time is 2 h 02 min
